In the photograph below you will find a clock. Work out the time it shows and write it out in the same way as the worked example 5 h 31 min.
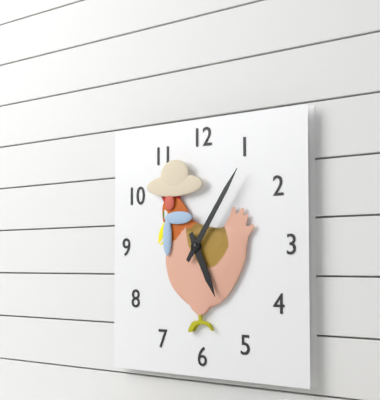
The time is 5 h 06 min
